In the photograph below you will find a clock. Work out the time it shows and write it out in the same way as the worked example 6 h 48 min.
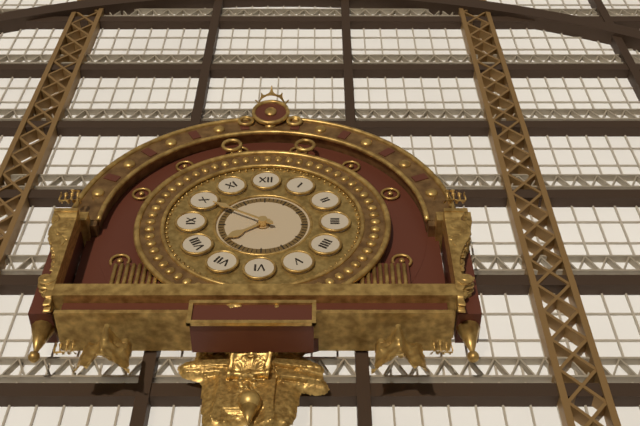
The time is 7 h 50 min
